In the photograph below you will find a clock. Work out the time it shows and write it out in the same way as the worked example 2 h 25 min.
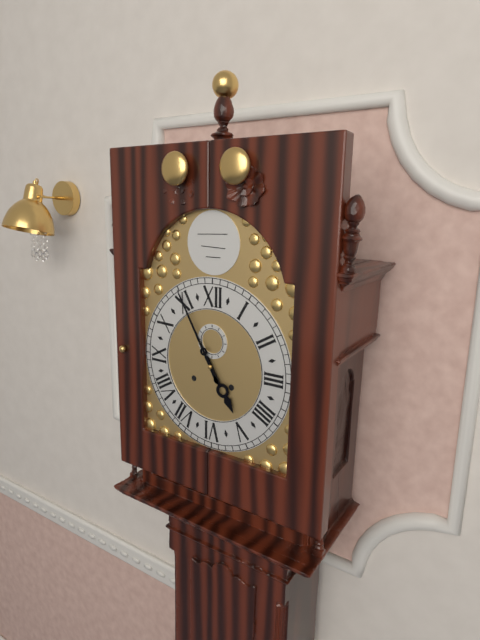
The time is 4 h 55 min
